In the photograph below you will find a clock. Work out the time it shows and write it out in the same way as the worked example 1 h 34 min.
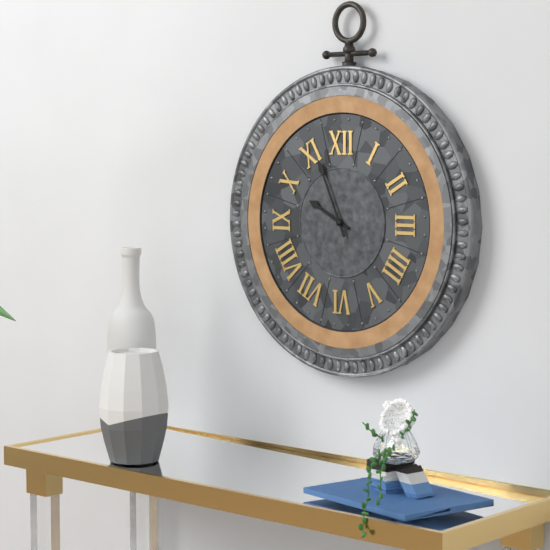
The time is 9 h 56 min
